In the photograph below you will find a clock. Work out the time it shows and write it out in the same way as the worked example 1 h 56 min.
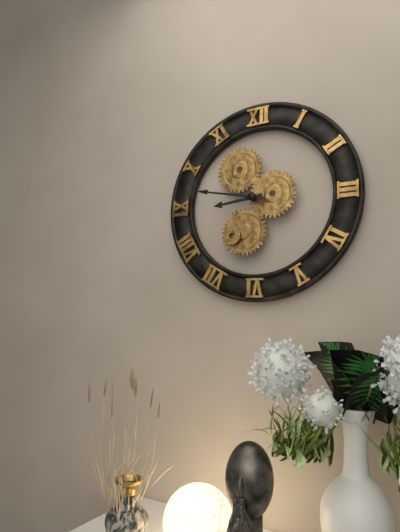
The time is 8 h 47 min
